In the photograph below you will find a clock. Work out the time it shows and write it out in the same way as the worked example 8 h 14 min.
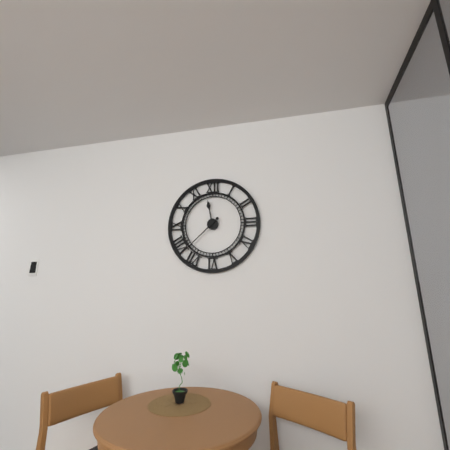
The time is 11 h 38 min
